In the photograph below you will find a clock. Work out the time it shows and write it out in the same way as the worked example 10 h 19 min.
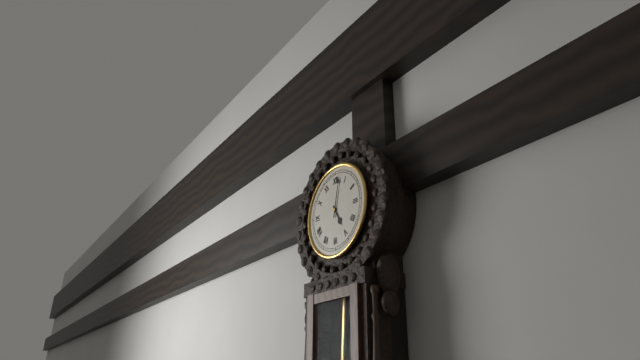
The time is 5 h 02 min
